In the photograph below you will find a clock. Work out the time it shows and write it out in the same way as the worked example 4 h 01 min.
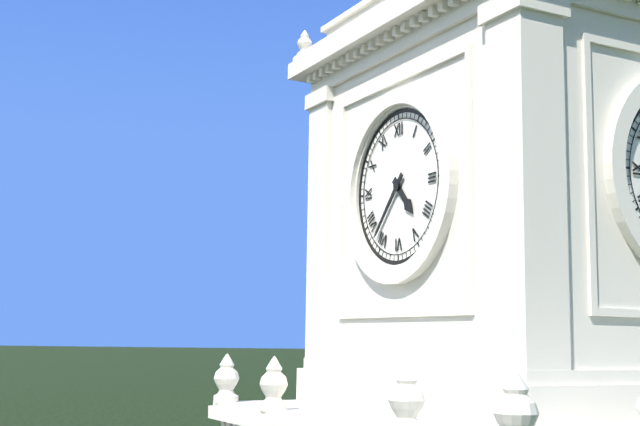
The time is 4 h 37 min
